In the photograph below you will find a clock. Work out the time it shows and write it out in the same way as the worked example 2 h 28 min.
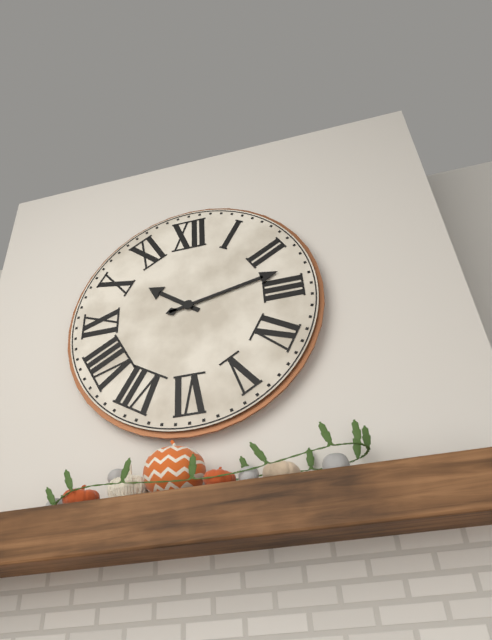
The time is 10 h 13 min
